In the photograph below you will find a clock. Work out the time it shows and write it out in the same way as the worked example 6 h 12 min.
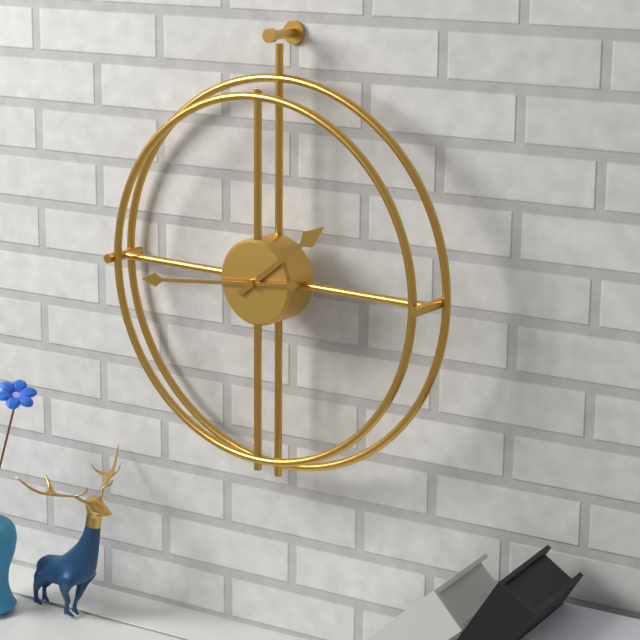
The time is 1 h 44 min
